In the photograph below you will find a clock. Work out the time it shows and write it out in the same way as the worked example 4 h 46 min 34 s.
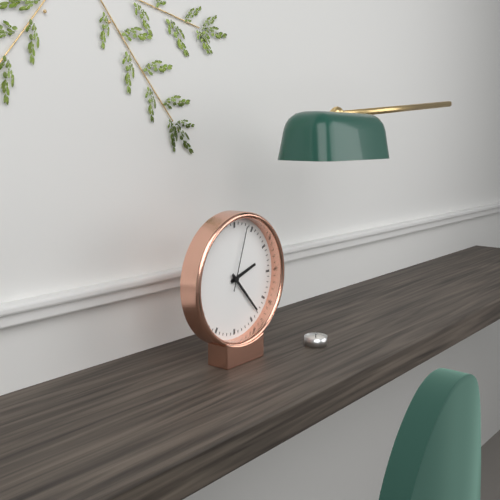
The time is 2 h 23 min 03 s
